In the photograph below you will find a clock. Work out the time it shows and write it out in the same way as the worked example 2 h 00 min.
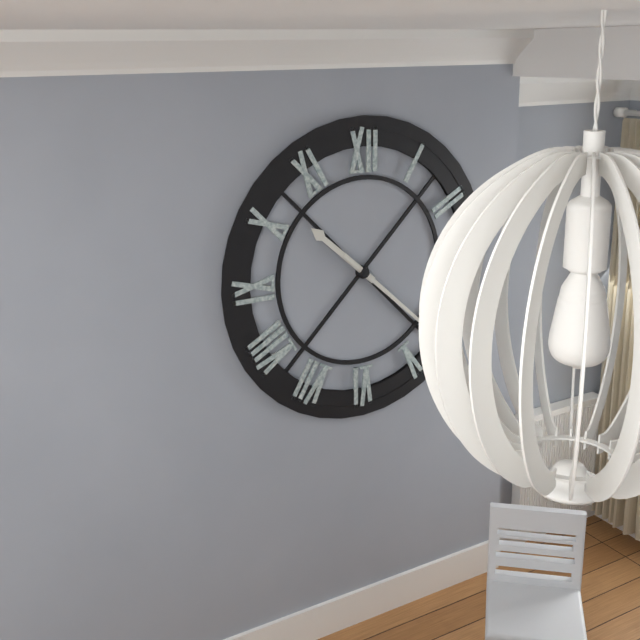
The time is 10 h 22 min
